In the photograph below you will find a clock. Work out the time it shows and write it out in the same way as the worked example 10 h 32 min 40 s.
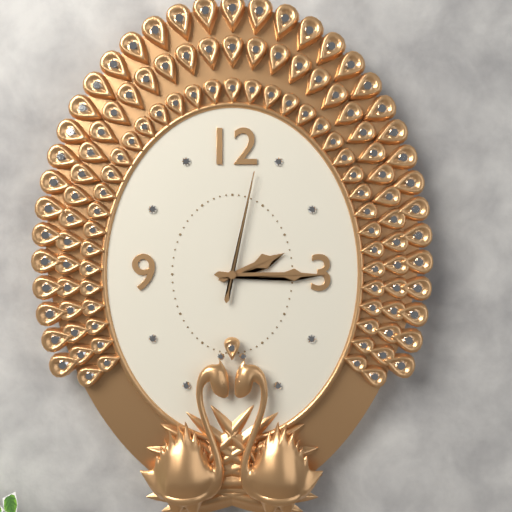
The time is 2 h 15 min 02 s
